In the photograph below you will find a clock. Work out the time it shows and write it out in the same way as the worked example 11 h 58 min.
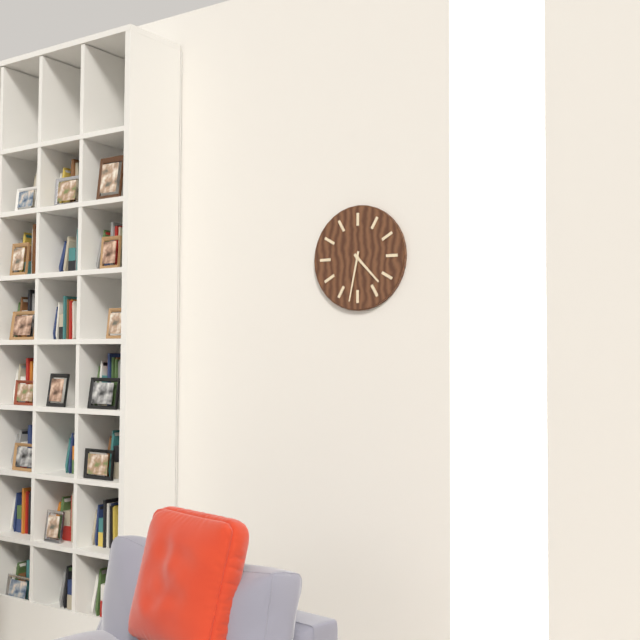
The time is 4 h 32 min
